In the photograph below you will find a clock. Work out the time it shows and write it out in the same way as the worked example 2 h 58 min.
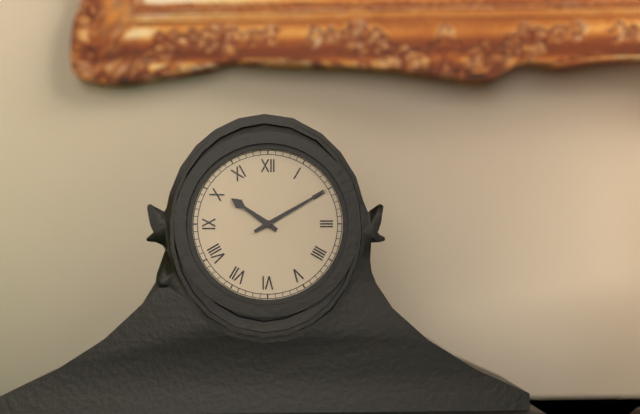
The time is 10 h 10 min
